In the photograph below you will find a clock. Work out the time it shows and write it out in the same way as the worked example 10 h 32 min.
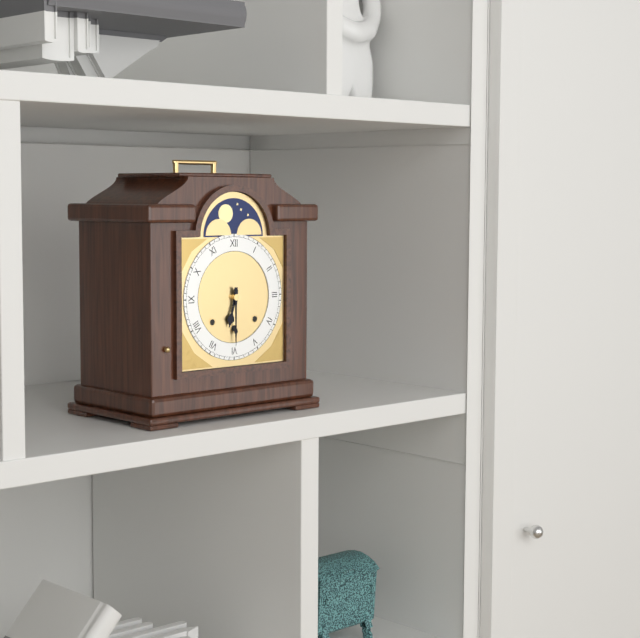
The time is 6 h 30 min
